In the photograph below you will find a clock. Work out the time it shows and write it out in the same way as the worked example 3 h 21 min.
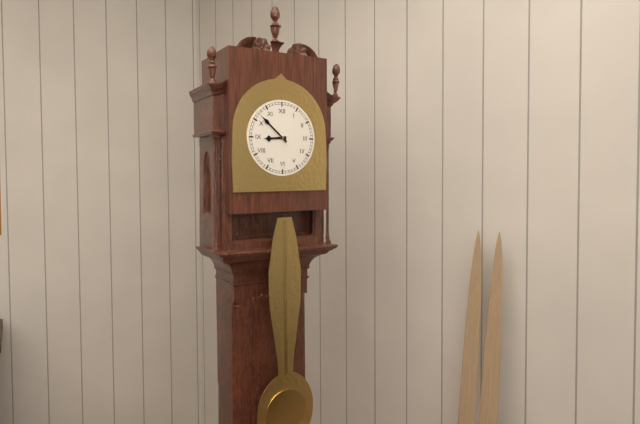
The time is 8 h 52 min
